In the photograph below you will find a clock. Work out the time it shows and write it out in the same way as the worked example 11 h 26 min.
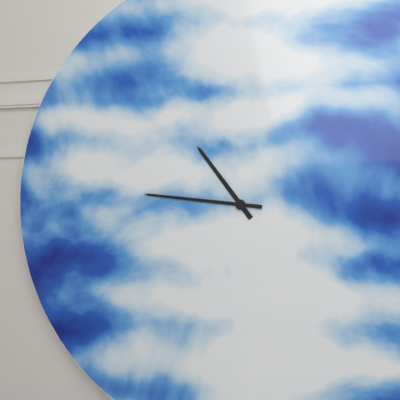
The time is 10 h 46 min
